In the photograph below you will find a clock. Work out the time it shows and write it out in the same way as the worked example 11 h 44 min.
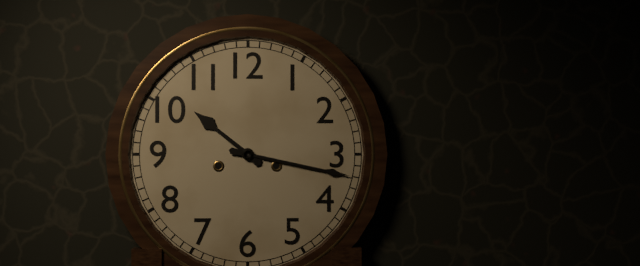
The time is 10 h 17 min
